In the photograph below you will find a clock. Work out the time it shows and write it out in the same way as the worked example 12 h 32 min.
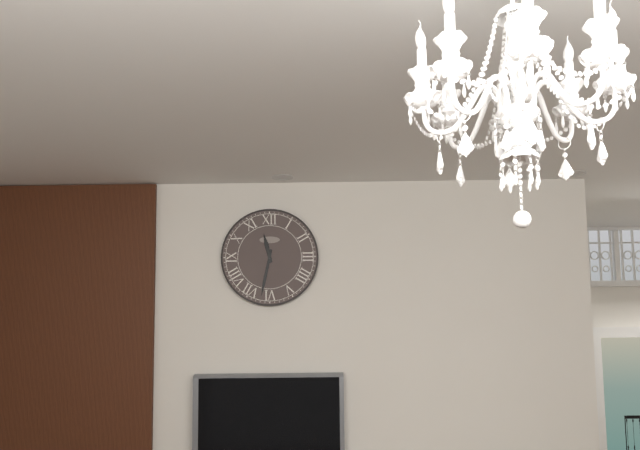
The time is 11 h 32 min
